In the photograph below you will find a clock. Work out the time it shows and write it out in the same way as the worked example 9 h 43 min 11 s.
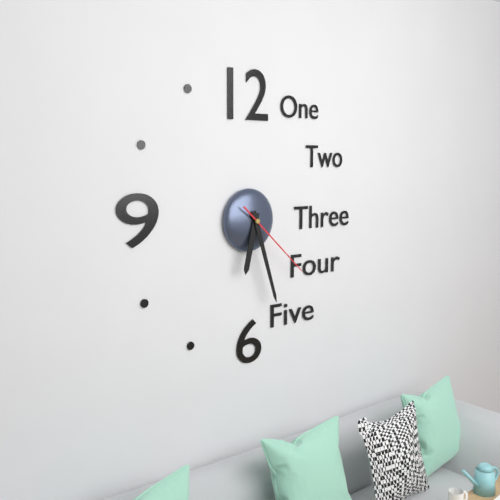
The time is 6 h 27 min 22 s
